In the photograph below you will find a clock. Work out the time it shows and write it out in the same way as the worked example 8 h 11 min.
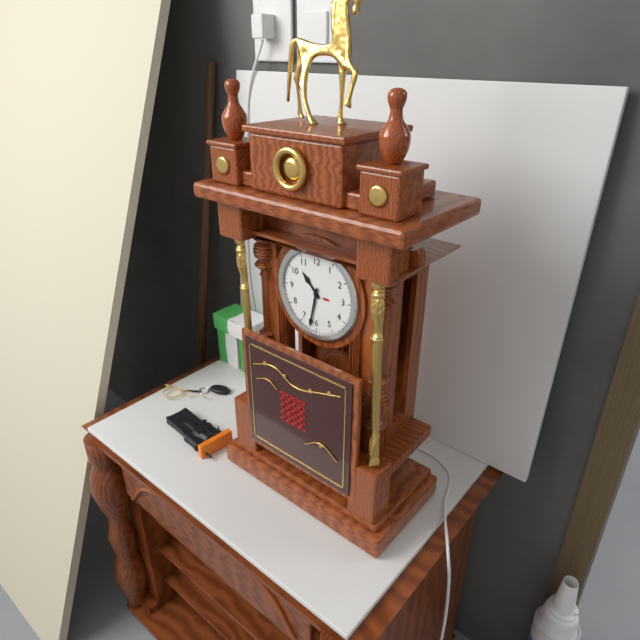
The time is 10 h 32 min
